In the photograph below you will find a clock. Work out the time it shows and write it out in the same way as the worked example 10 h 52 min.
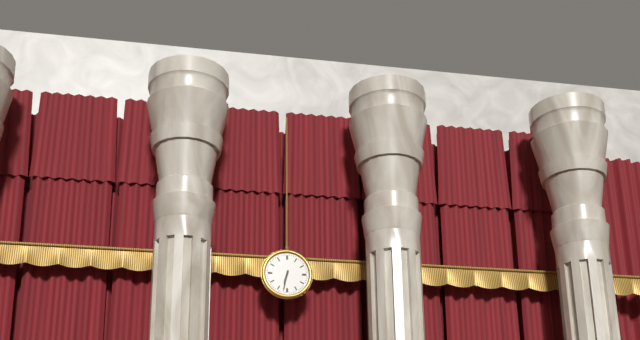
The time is 6 h 32 min
